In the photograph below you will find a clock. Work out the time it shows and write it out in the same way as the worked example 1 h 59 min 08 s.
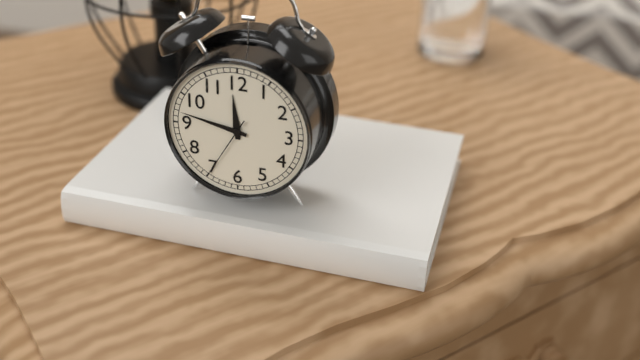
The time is 11 h 47 min 35 s
